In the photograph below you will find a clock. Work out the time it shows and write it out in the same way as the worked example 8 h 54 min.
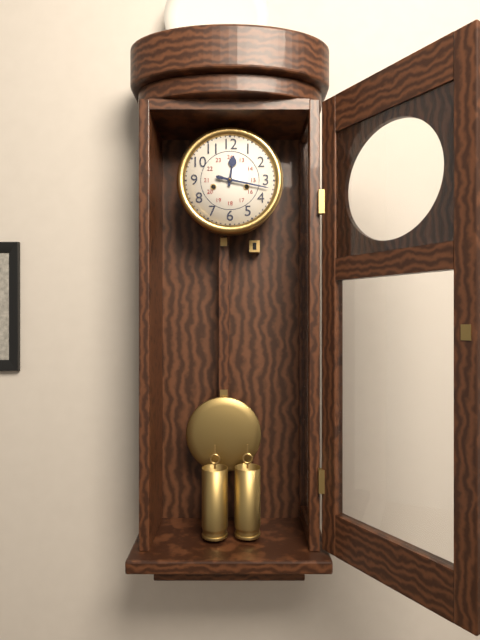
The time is 12 h 17 min
